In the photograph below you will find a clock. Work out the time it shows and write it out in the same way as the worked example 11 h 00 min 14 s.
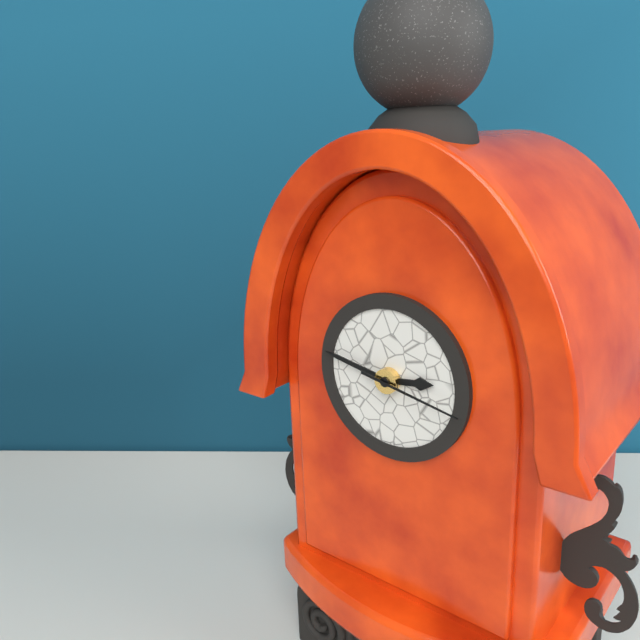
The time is 2 h 47 min 17 s
